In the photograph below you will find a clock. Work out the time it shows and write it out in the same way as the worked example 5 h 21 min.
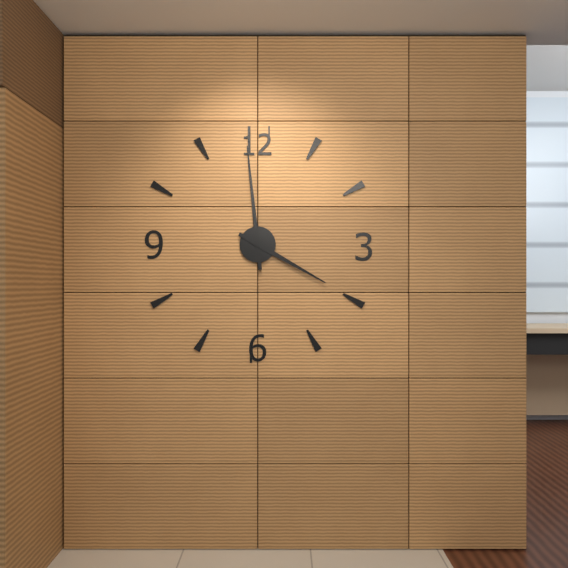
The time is 3 h 59 min
